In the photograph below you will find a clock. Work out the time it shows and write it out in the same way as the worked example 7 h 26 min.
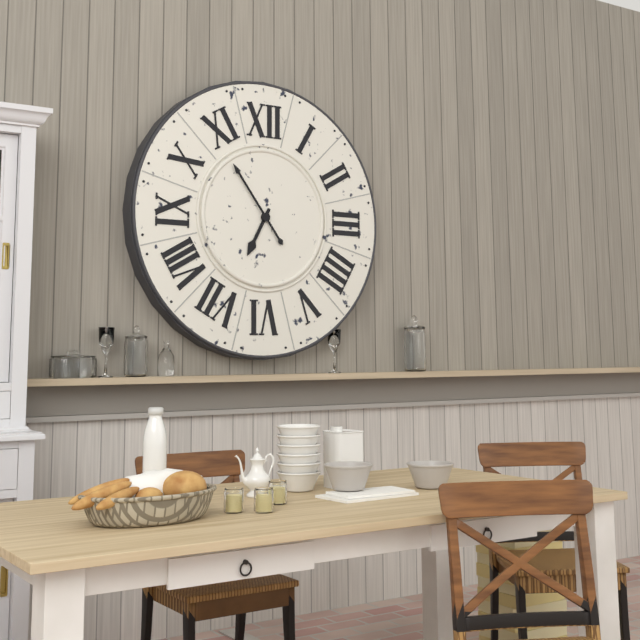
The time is 6 h 54 min
